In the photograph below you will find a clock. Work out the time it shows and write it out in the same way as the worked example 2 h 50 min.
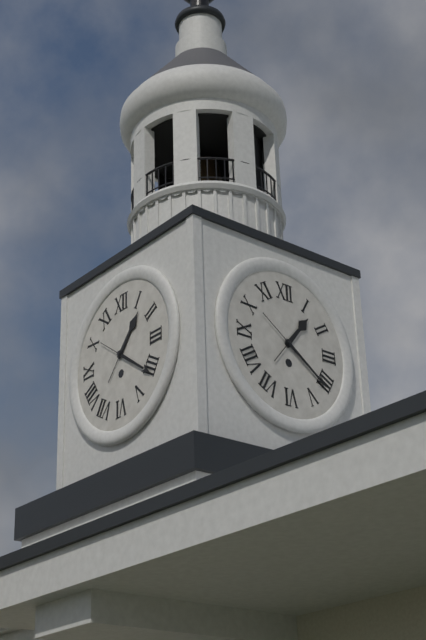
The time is 1 h 21 min
